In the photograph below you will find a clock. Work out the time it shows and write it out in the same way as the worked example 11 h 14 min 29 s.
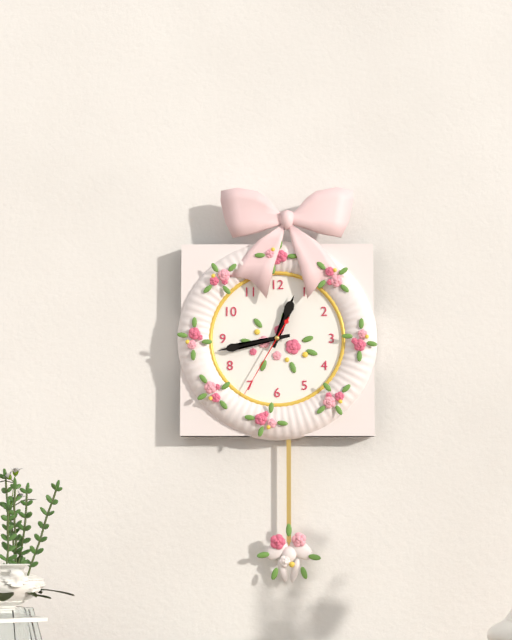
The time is 12 h 43 min 35 s
